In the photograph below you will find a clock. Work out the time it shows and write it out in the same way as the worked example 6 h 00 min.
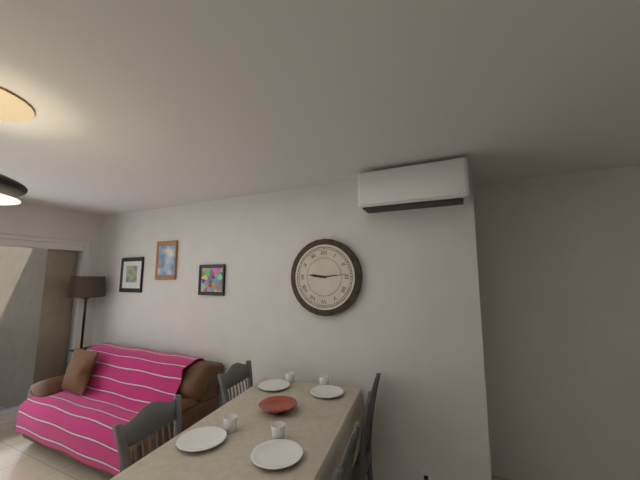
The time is 9 h 14 min
